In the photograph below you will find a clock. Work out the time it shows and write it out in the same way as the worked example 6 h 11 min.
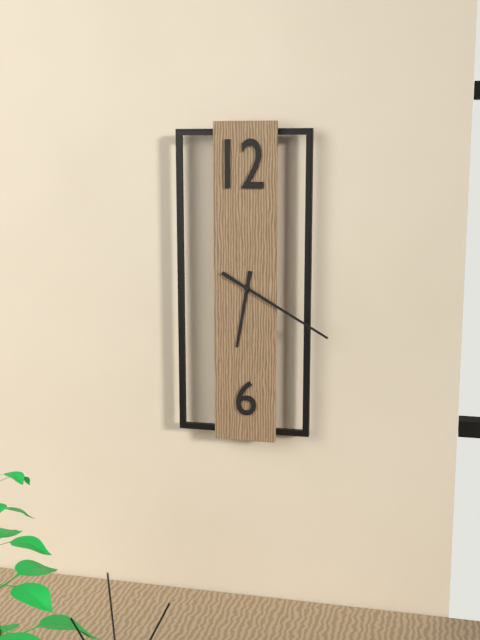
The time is 6 h 20 min
